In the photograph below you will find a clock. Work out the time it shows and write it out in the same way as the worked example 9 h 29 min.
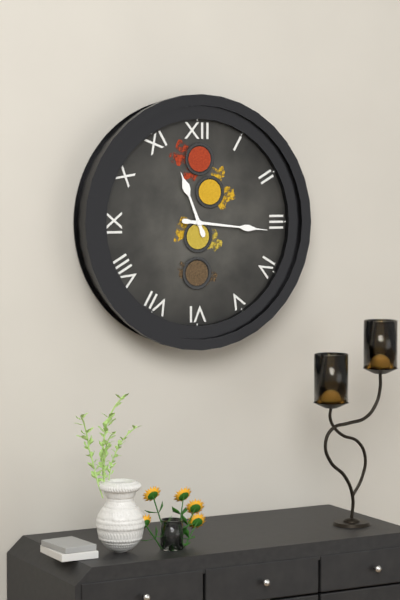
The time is 11 h 16 min
